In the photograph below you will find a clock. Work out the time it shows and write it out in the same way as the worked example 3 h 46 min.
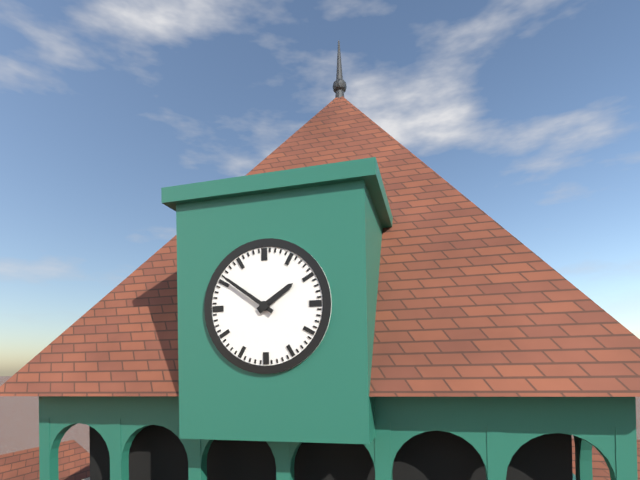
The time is 1 h 51 min
